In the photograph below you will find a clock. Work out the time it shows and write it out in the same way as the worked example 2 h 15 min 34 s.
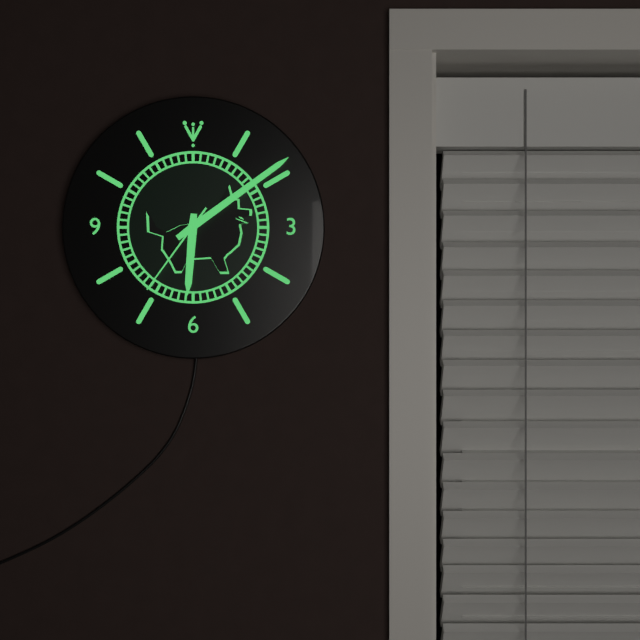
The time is 6 h 09 min 36 s
